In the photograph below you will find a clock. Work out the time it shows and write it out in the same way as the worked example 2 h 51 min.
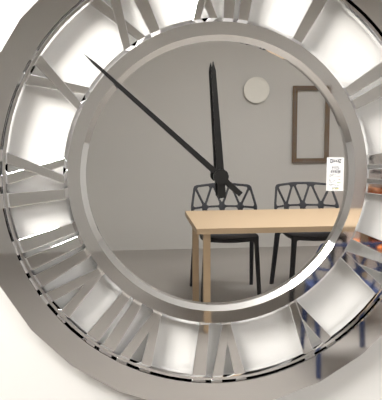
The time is 11 h 52 min
